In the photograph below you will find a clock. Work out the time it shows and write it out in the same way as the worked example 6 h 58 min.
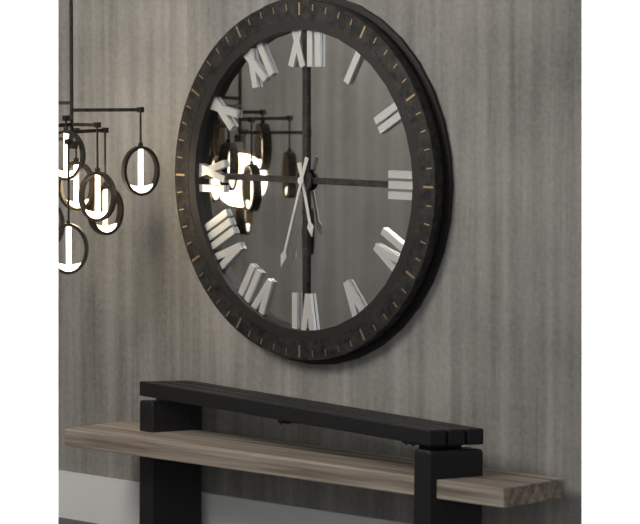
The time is 5 h 33 min
